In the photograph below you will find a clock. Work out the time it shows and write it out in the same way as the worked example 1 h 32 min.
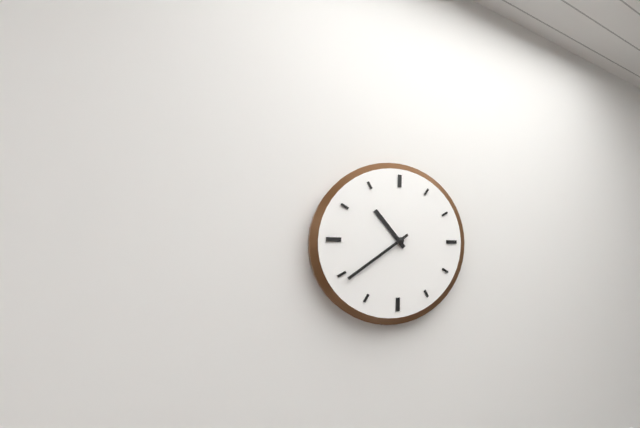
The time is 10 h 39 min
